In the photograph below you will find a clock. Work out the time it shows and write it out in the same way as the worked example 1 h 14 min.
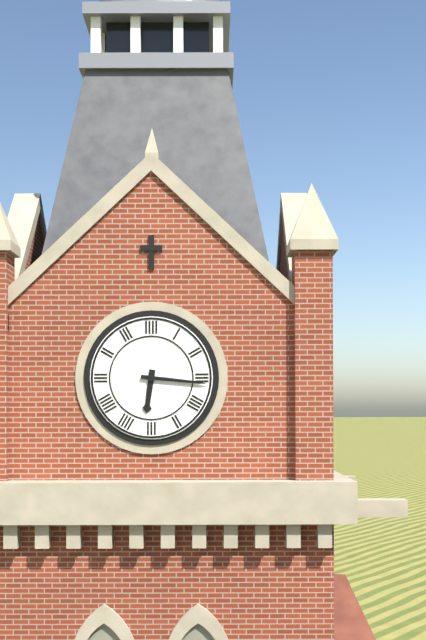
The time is 6 h 16 min
